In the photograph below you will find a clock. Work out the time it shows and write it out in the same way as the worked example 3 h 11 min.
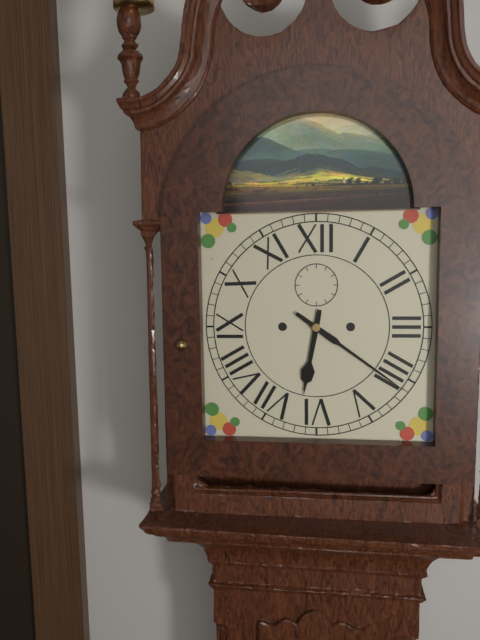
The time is 6 h 21 min
